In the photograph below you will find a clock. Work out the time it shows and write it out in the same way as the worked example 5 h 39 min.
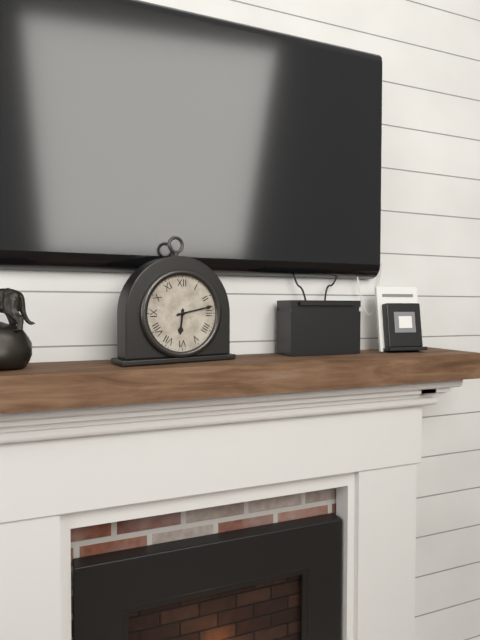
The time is 6 h 13 min
